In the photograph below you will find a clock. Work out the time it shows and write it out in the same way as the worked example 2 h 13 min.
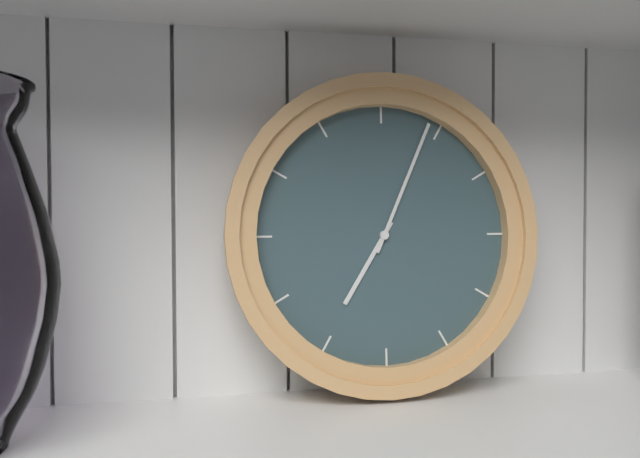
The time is 7 h 04 min
